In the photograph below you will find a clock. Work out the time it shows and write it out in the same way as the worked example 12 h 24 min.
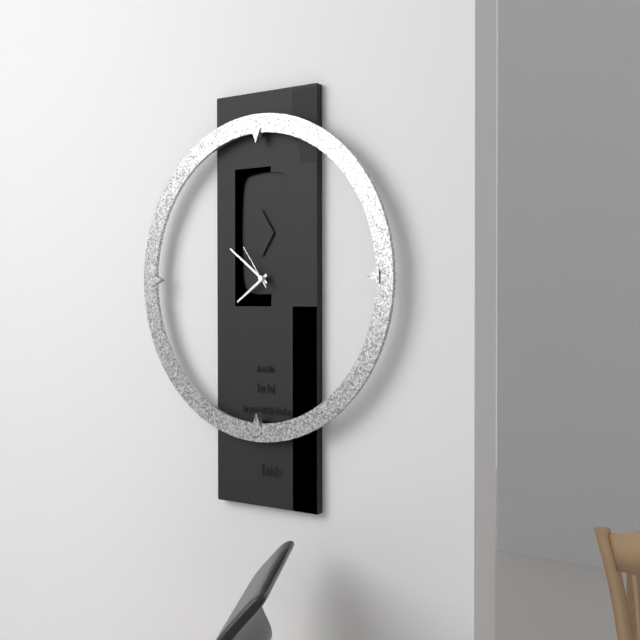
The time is 7 h 51 min
